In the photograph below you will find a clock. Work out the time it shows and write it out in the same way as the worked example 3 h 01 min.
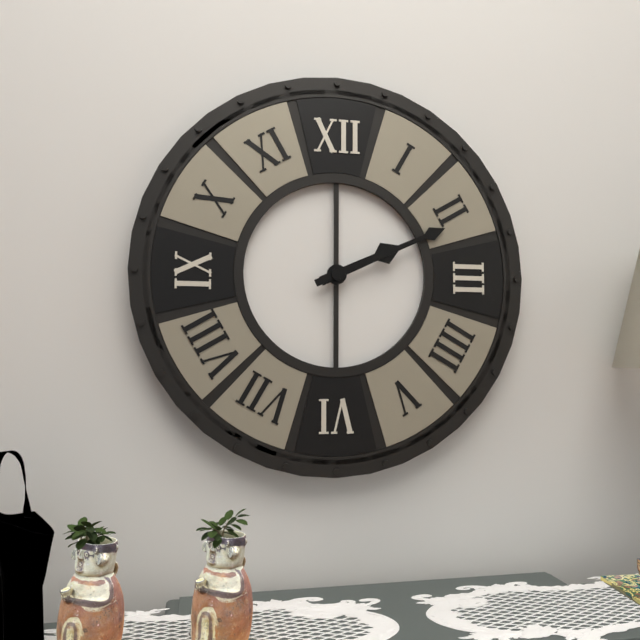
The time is 2 h 11 min
